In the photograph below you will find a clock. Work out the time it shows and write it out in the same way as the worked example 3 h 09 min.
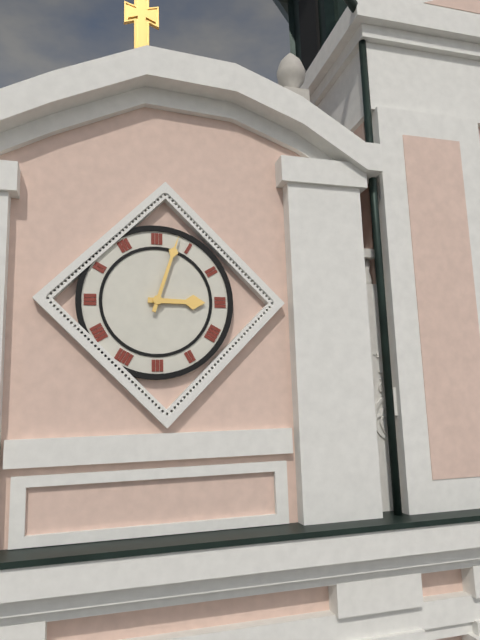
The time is 3 h 03 min
